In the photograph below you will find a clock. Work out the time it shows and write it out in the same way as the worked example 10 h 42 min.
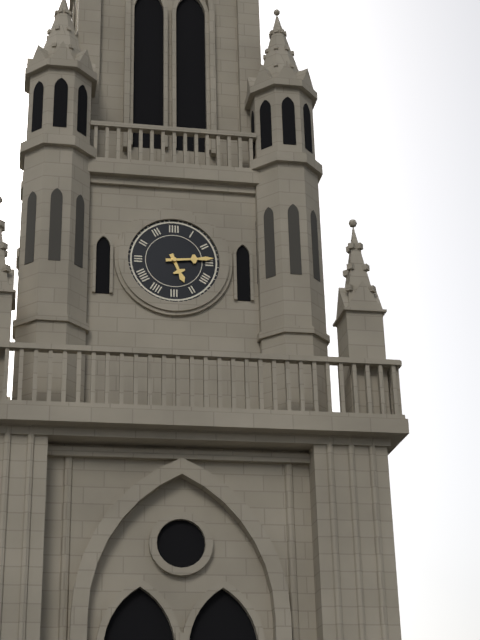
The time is 5 h 14 min
